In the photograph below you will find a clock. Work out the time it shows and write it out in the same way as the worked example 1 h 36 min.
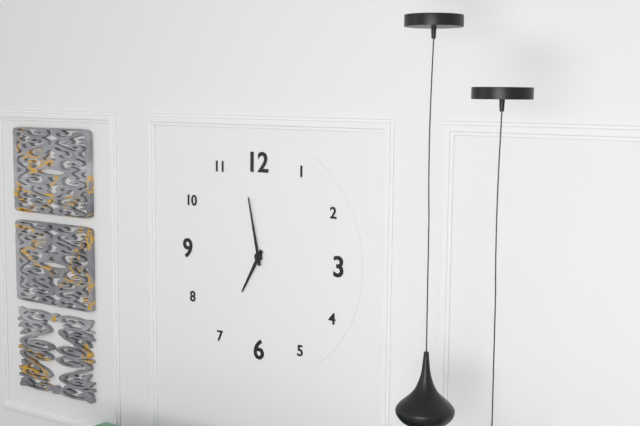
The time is 6 h 58 min
